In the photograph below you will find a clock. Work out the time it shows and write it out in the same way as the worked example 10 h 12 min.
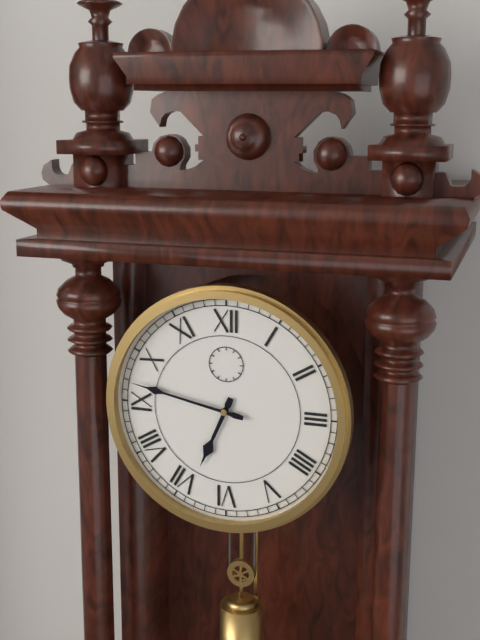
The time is 6 h 47 min
